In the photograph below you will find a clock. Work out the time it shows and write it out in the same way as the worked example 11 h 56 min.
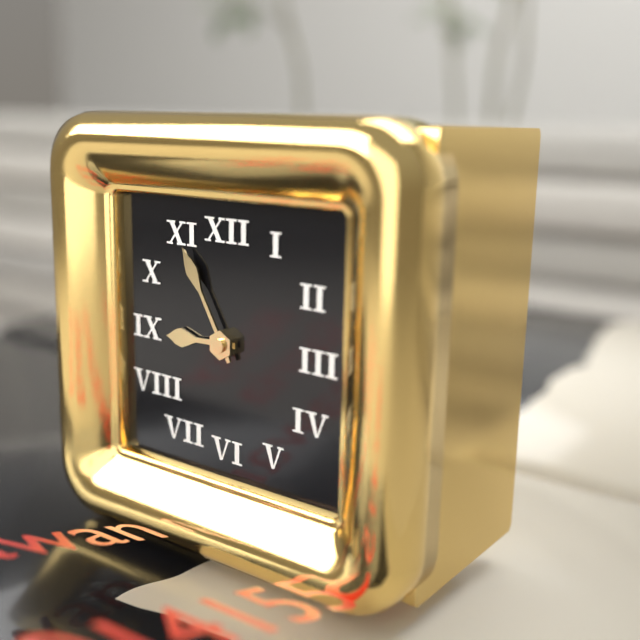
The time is 8 h 55 min
